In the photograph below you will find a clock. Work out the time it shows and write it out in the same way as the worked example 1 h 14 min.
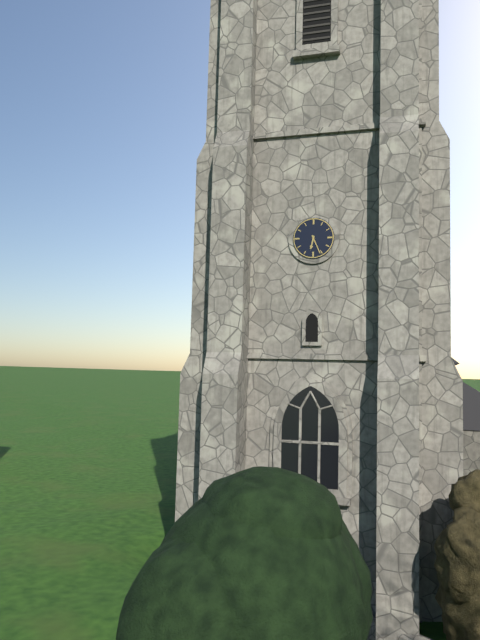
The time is 6 h 26 min
